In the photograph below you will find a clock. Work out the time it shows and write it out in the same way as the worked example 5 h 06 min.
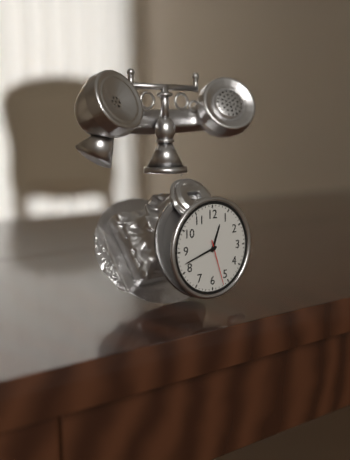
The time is 12 h 42 min
